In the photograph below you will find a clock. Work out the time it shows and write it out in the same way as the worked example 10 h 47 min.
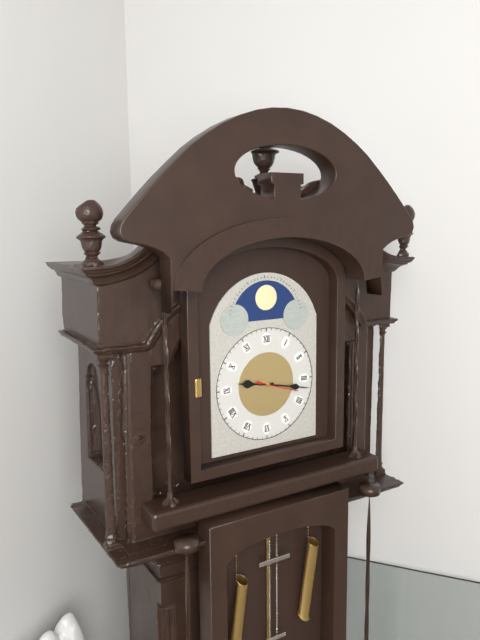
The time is 9 h 17 min
